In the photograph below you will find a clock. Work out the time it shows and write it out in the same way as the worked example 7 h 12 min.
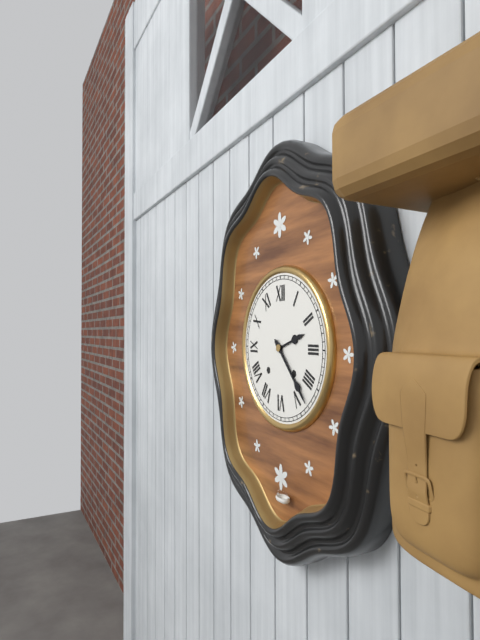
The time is 2 h 23 min
